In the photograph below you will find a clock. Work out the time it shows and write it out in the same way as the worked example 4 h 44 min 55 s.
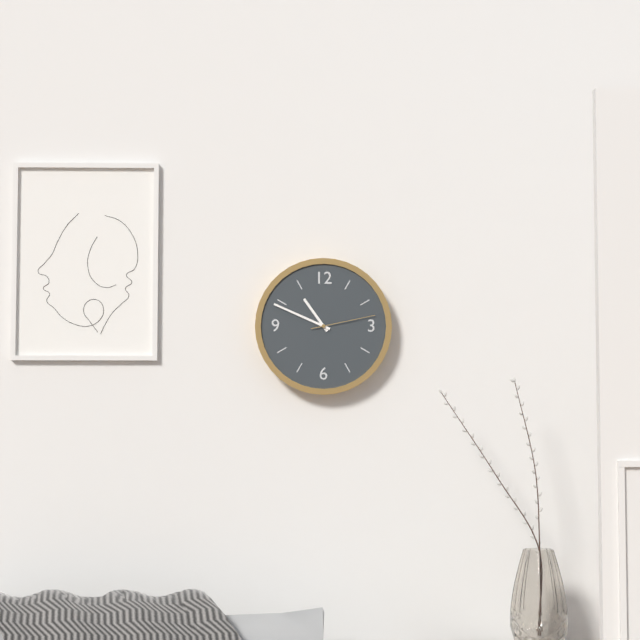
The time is 10 h 49 min 13 s
